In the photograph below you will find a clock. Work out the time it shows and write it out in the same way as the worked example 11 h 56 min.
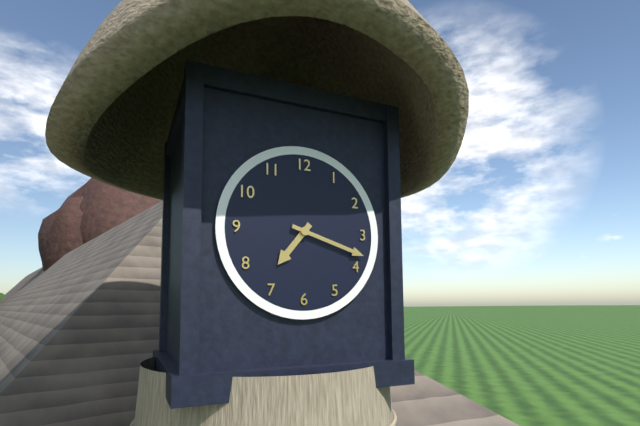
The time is 7 h 18 min
